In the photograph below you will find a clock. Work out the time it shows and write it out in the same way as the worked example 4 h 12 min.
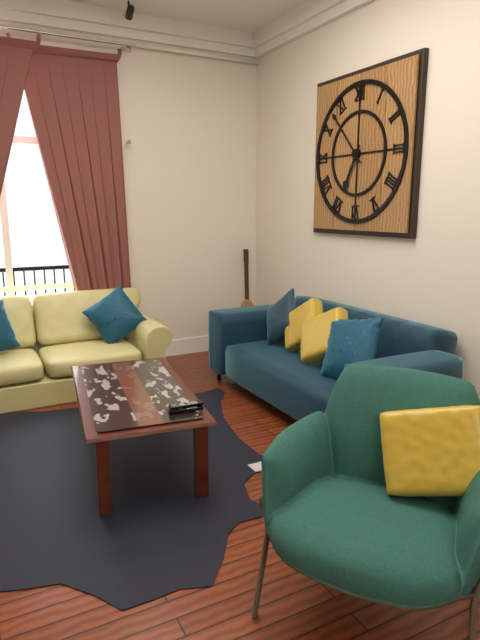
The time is 6 h 53 min
